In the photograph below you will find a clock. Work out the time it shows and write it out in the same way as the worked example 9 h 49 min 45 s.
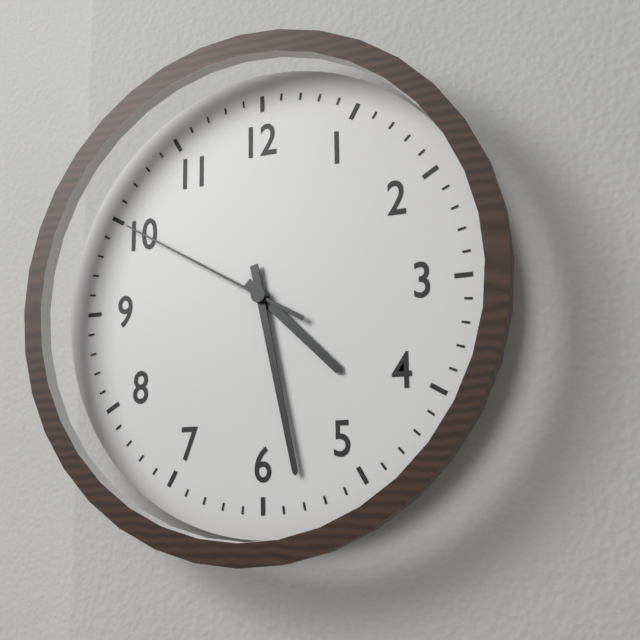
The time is 4 h 28 min 50 s
